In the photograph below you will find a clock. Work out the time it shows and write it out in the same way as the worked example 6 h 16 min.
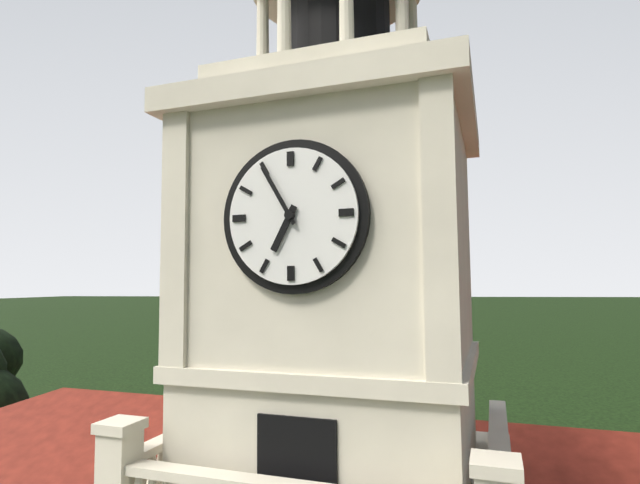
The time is 6 h 55 min
